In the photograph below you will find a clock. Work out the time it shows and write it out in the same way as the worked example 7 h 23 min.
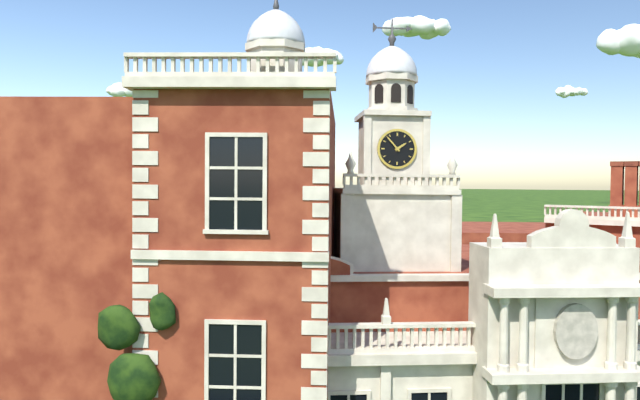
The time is 1 h 53 min
